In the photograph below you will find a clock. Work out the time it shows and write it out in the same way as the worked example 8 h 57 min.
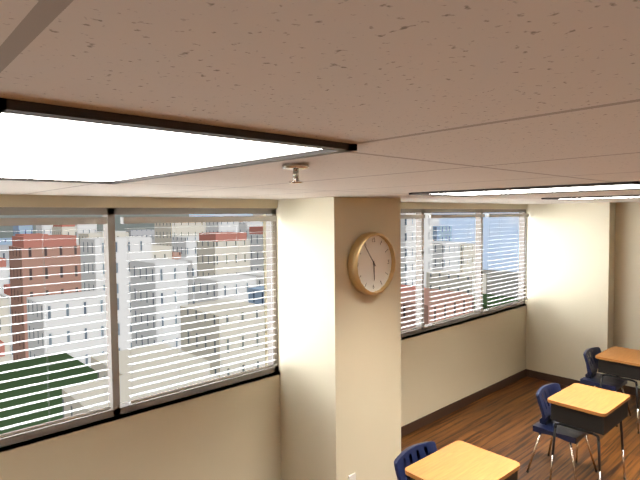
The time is 5 h 54 min
